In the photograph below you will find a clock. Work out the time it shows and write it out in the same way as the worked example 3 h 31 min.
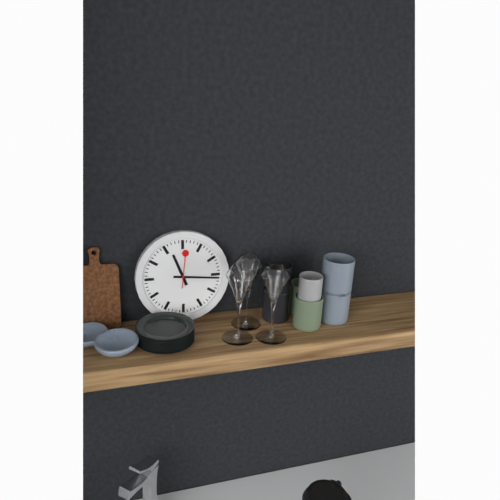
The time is 11 h 16 min
